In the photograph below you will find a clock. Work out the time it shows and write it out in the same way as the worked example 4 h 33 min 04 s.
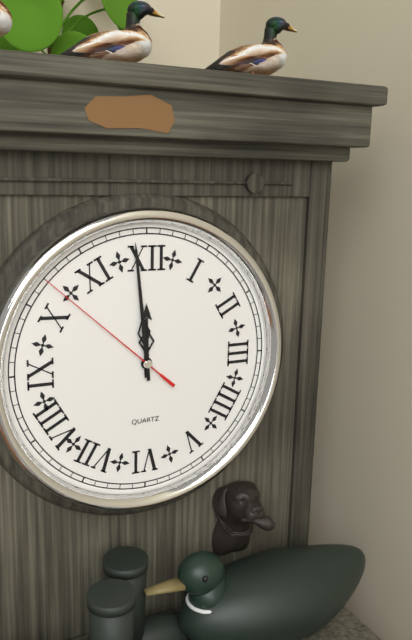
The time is 11 h 59 min 52 s
